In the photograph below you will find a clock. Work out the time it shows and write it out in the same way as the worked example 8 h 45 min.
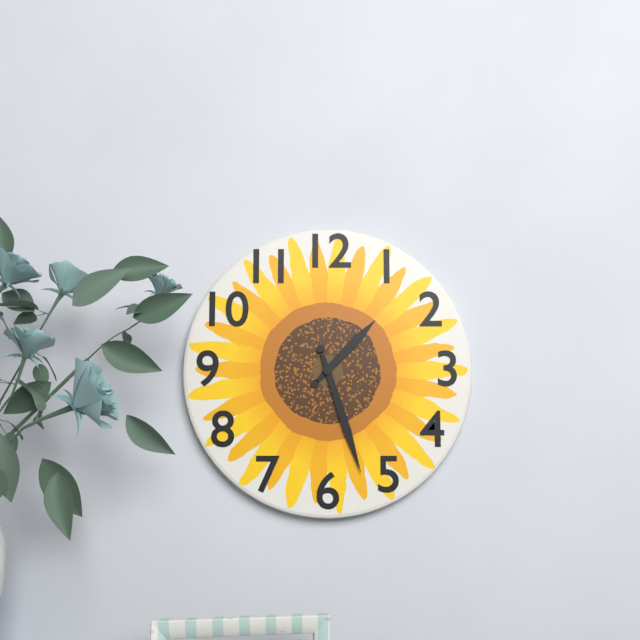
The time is 1 h 27 min
